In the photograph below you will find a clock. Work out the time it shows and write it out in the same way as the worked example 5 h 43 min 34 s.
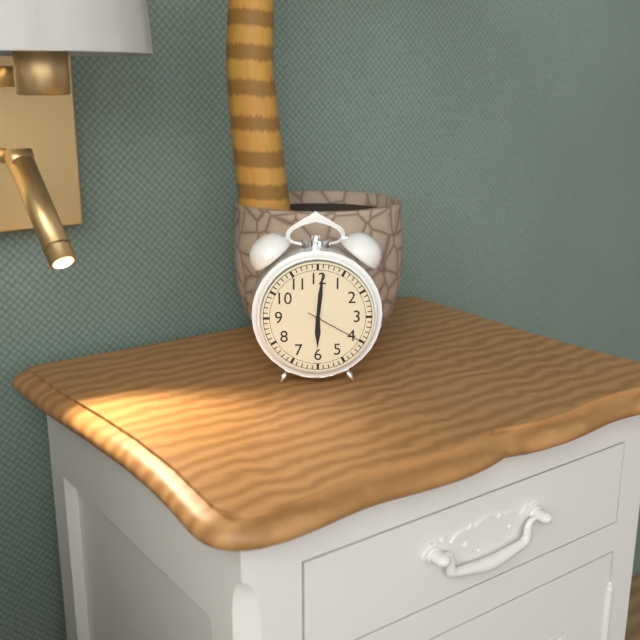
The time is 6 h 01 min 20 s
